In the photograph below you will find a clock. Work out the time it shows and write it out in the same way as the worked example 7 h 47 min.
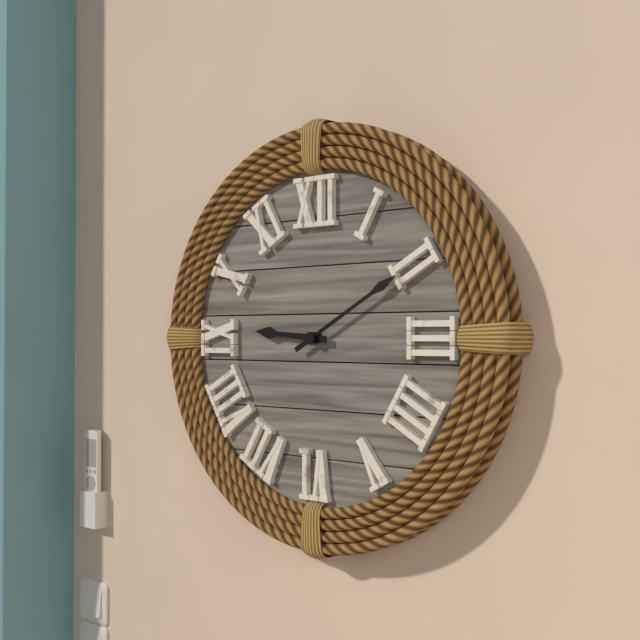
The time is 9 h 10 min
